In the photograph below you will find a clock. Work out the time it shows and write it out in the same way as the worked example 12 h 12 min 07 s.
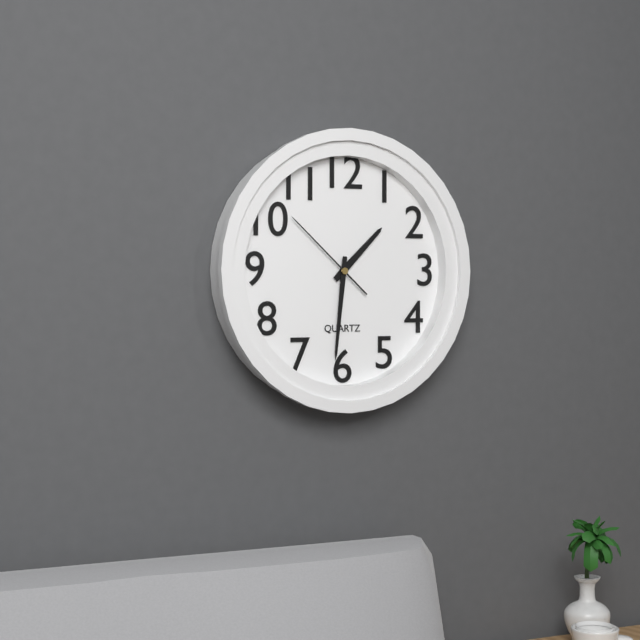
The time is 1 h 31 min 52 s
